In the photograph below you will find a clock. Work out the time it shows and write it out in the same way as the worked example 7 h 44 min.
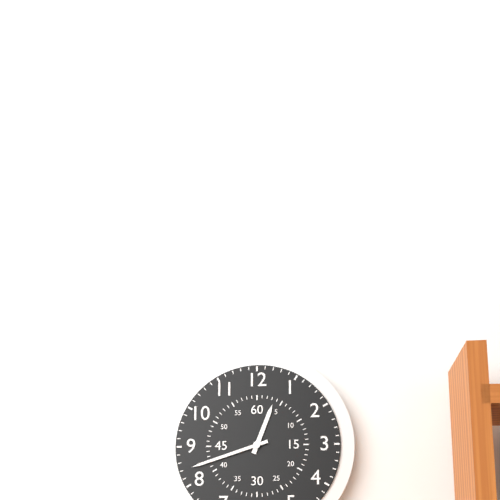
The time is 12 h 42 min
